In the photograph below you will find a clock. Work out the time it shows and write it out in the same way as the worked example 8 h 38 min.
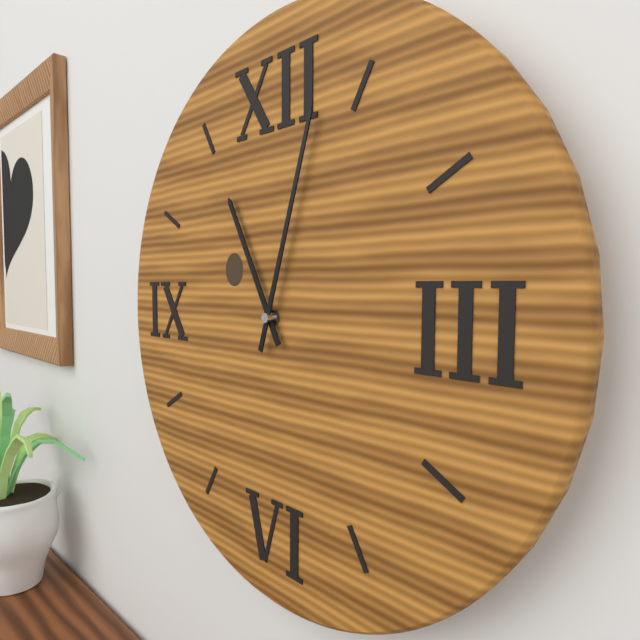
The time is 11 h 03 min
